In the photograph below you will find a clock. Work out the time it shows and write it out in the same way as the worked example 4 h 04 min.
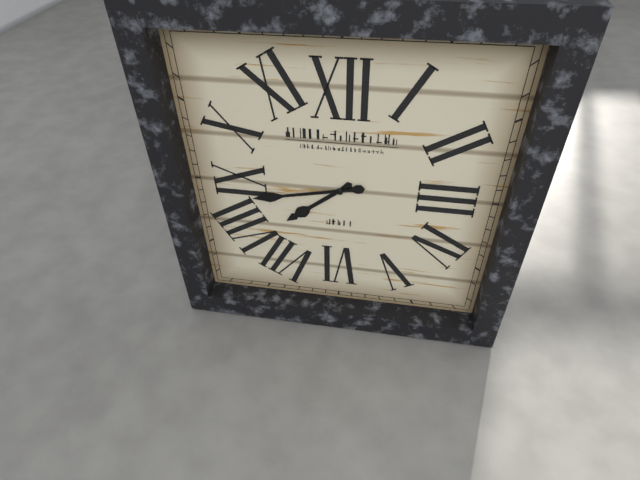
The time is 7 h 43 min
